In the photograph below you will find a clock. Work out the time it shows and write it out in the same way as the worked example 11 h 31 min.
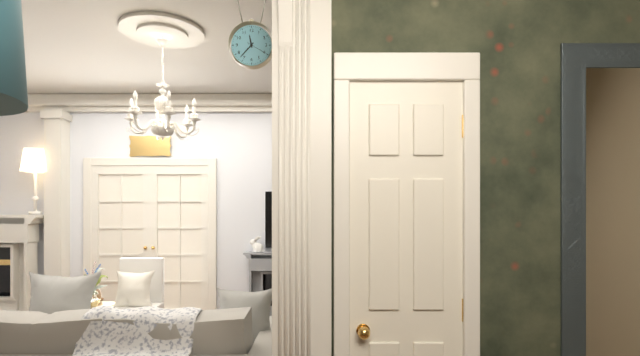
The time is 11 h 37 min
